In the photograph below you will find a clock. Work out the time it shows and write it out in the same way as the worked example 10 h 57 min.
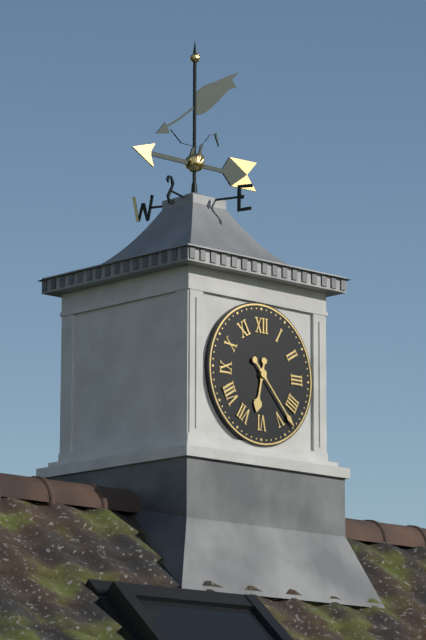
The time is 6 h 23 min
